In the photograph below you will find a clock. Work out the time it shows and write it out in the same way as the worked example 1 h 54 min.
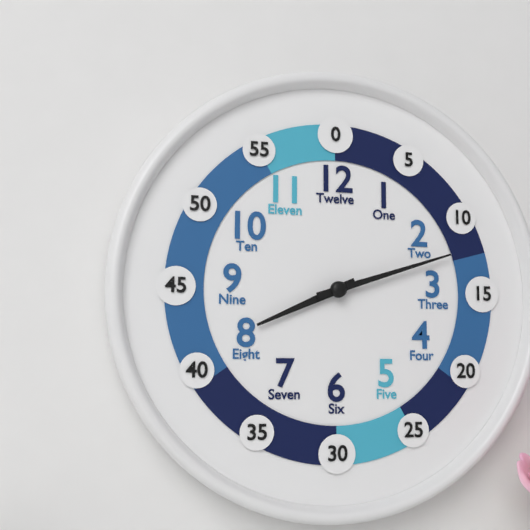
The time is 8 h 12 min
